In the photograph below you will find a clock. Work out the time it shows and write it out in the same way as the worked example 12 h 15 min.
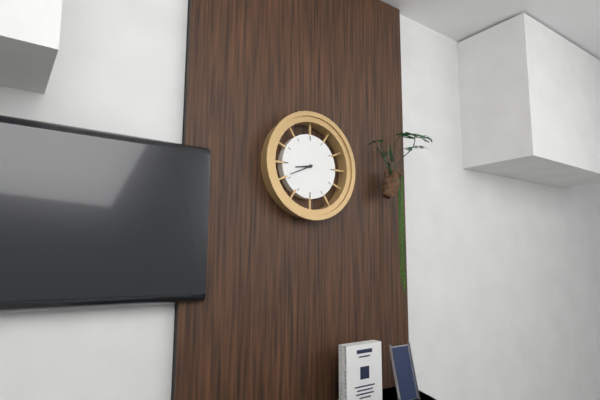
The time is 8 h 41 min
